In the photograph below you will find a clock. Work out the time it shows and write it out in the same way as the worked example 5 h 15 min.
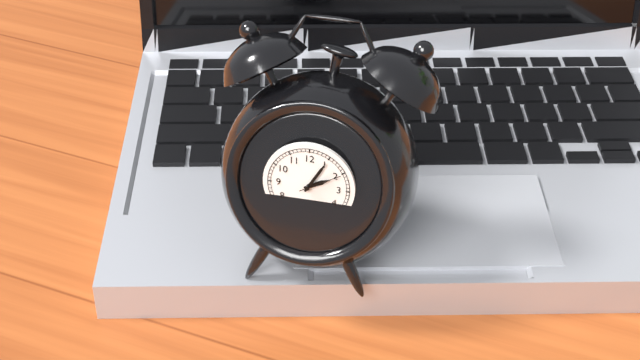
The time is 2 h 05 min
